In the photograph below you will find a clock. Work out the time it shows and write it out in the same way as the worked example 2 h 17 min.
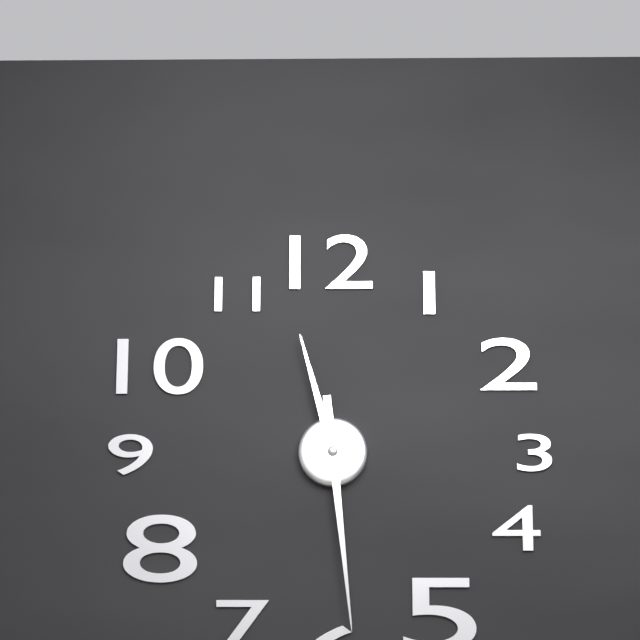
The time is 11 h 29 min
